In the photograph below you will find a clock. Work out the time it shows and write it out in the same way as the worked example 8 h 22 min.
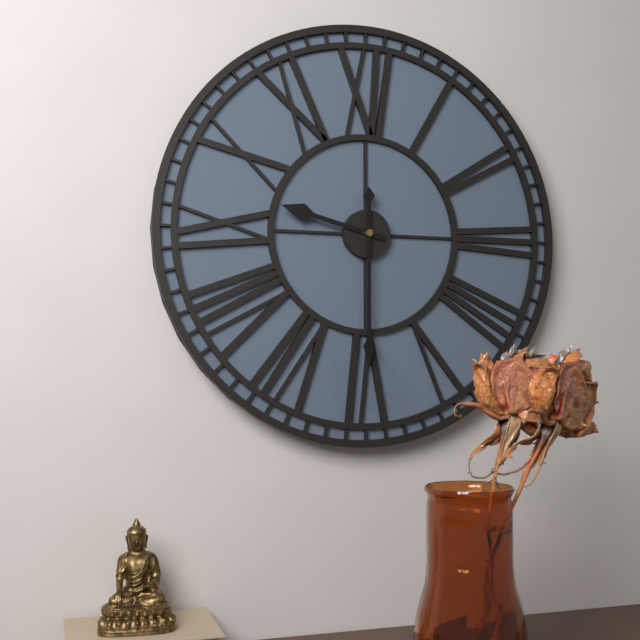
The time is 9 h 30 min
